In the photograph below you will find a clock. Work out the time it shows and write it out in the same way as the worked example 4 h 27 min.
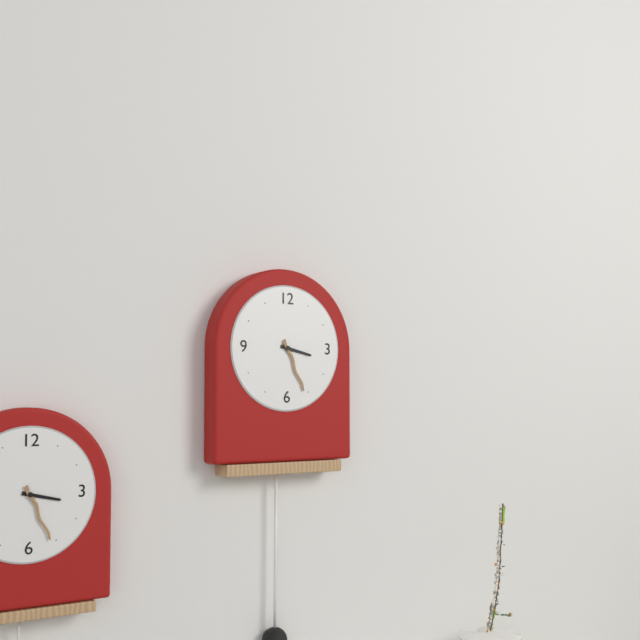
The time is 3 h 26 min
